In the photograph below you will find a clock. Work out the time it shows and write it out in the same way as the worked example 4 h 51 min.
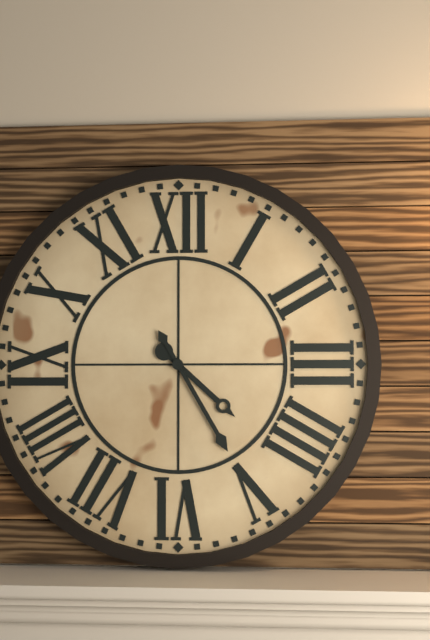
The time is 4 h 25 min
